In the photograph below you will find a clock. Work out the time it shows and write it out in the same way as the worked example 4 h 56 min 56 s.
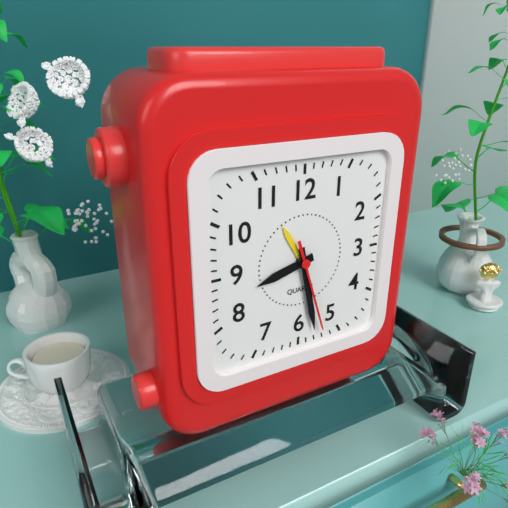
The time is 8 h 28 min 27 s
